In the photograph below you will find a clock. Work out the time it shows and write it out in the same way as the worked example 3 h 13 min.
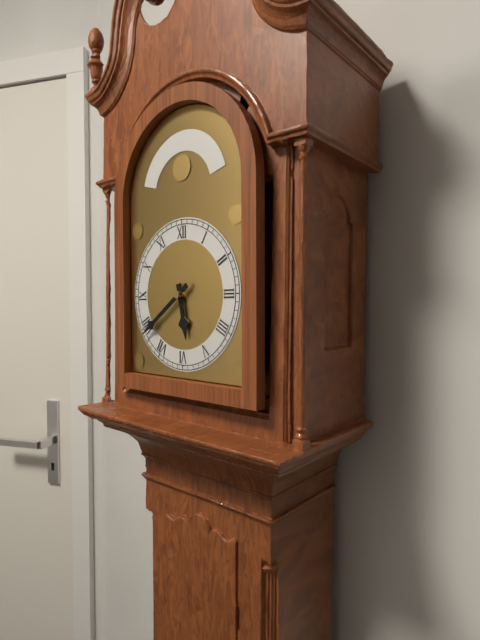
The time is 5 h 39 min
